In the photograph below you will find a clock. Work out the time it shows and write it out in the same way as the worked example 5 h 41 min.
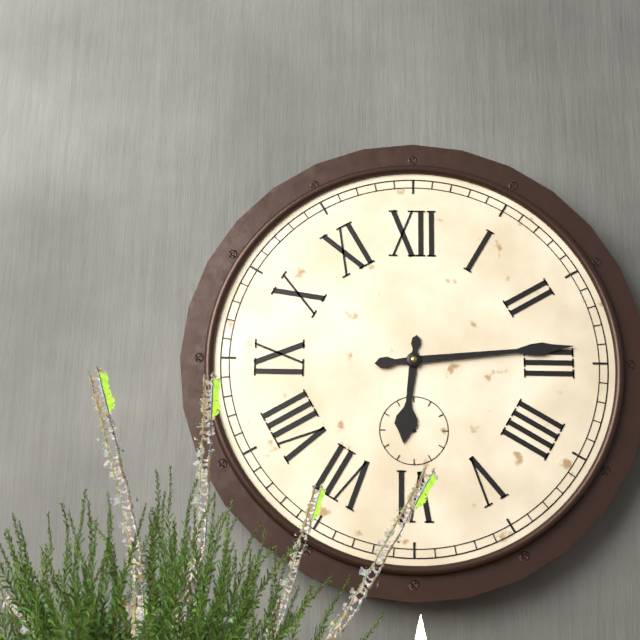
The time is 6 h 14 min
